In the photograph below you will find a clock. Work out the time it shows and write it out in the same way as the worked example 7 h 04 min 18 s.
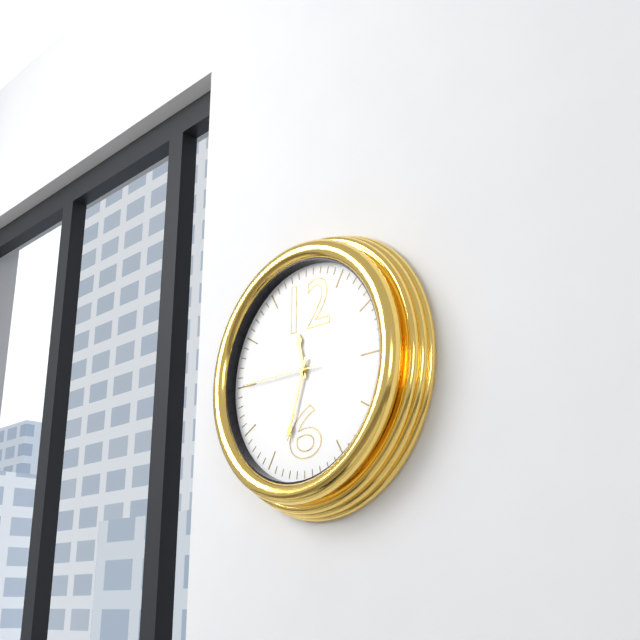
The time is 11 h 33 min 45 s
